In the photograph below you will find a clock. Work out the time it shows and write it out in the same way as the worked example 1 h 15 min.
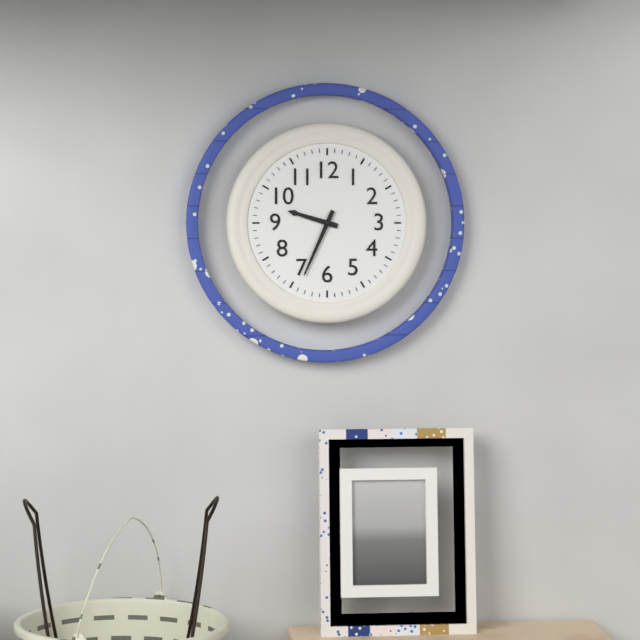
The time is 9 h 34 min
